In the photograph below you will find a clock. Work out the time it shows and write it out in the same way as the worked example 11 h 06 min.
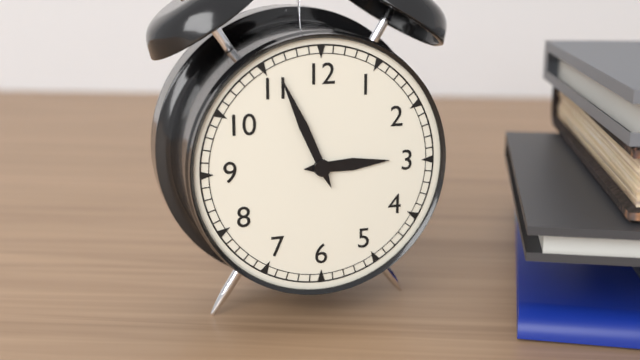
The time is 2 h 56 min
